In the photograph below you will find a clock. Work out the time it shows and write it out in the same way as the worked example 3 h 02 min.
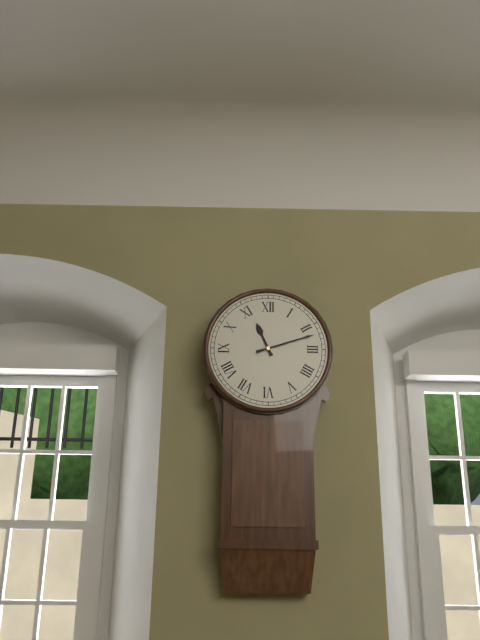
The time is 11 h 12 min
